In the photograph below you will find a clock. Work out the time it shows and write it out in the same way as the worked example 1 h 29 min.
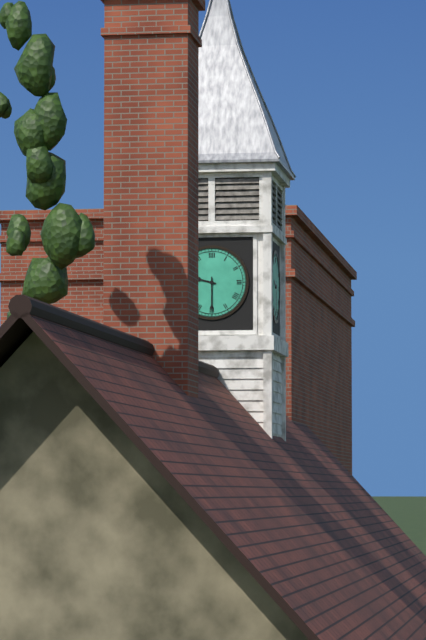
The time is 9 h 30 min
